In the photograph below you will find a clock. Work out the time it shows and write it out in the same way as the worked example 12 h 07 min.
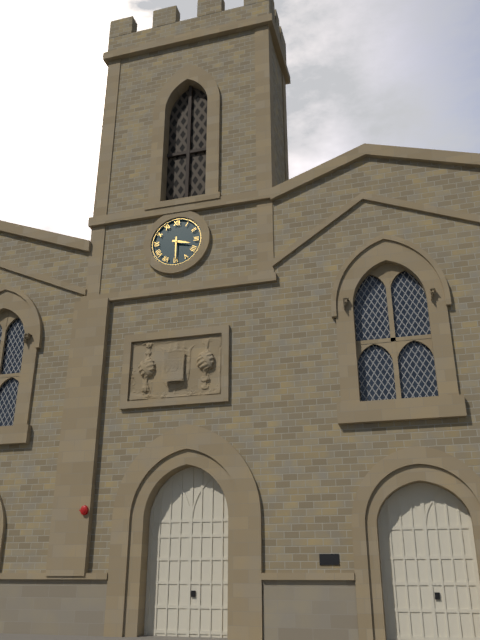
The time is 3 h 30 min
